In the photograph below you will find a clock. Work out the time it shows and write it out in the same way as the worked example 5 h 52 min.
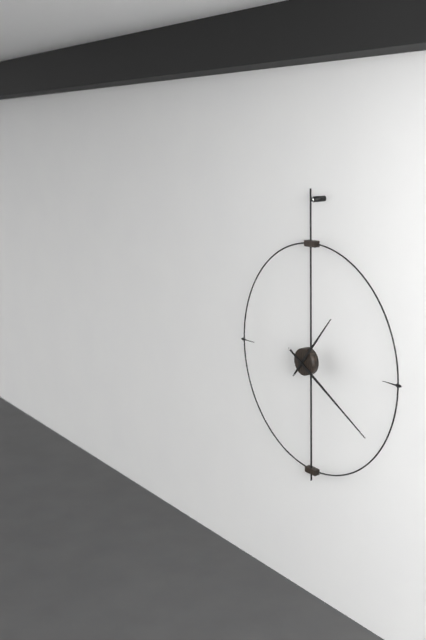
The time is 1 h 20 min
